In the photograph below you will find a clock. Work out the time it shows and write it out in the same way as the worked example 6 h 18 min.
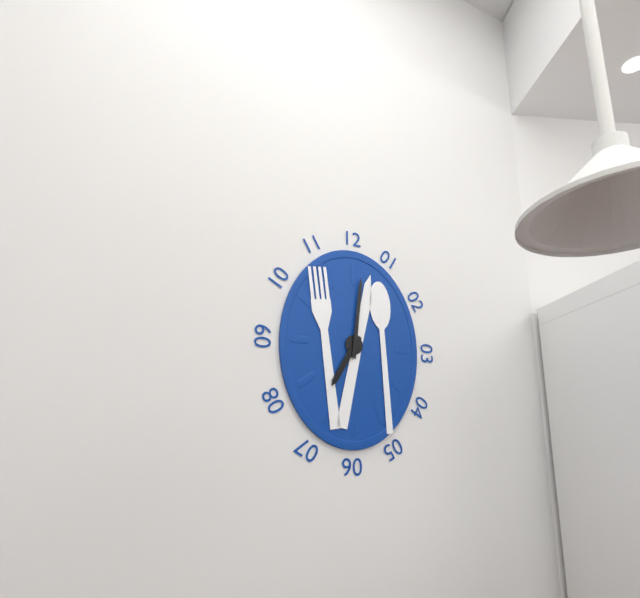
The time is 7 h 01 min
